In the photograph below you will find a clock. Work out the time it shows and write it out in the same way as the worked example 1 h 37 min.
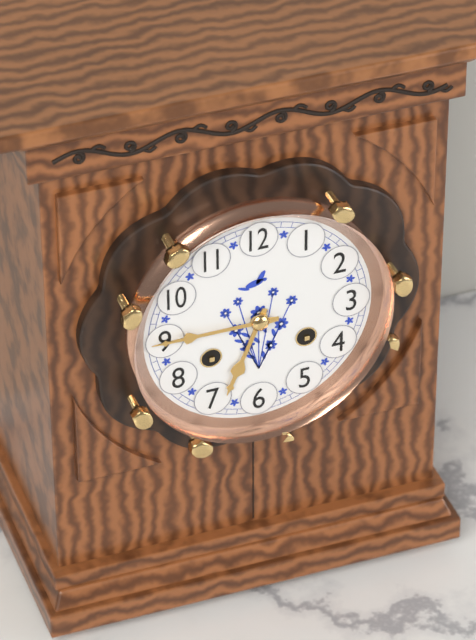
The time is 6 h 45 min
